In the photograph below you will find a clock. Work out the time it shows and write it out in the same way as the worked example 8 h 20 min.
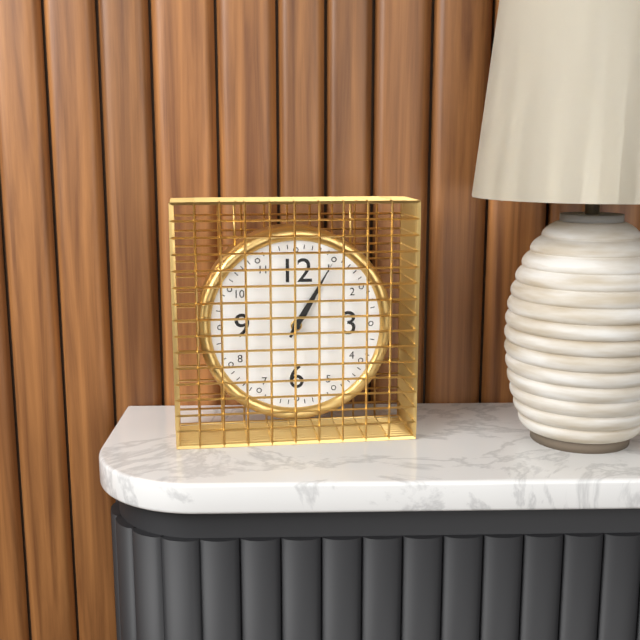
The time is 1 h 05 min
